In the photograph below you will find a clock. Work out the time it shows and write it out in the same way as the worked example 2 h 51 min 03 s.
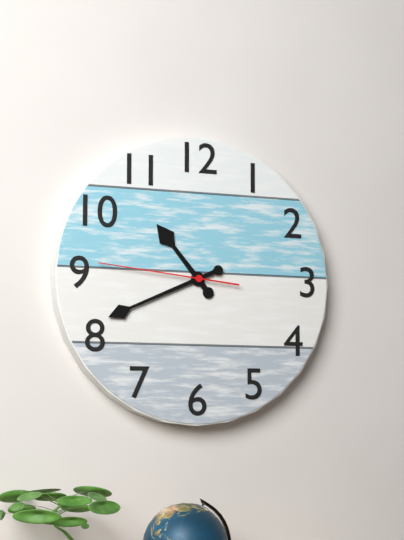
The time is 10 h 41 min 46 s
